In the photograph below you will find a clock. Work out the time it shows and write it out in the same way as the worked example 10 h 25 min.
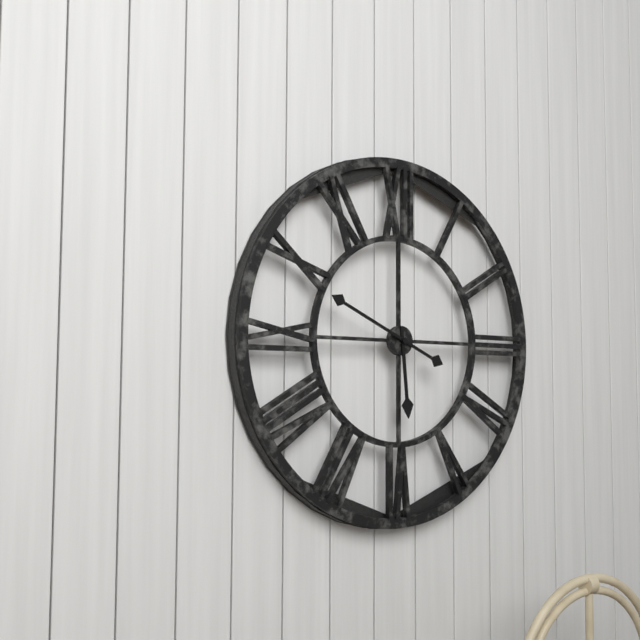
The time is 5 h 49 min
